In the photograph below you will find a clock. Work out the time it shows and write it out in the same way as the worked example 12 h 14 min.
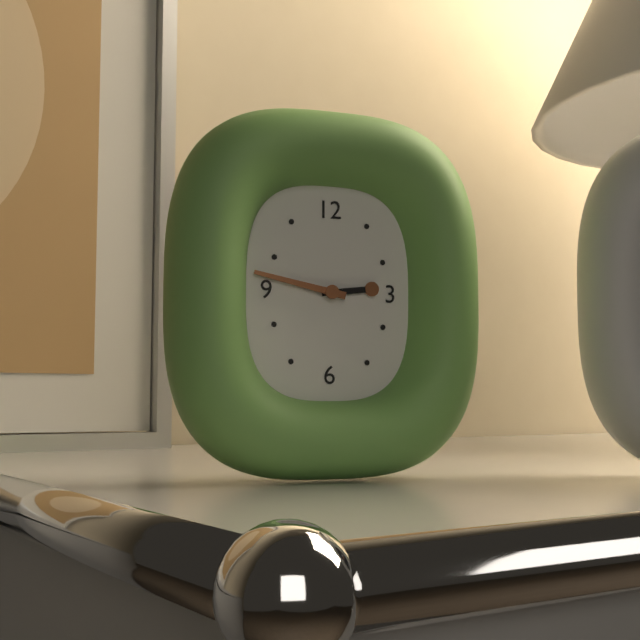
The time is 2 h 47 min
